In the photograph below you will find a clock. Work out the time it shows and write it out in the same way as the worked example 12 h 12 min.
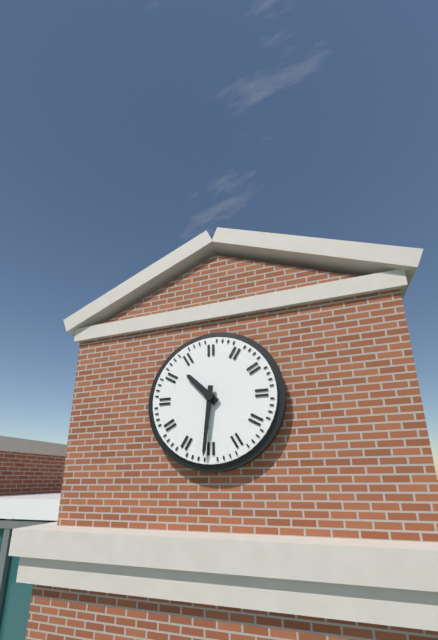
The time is 10 h 31 min
